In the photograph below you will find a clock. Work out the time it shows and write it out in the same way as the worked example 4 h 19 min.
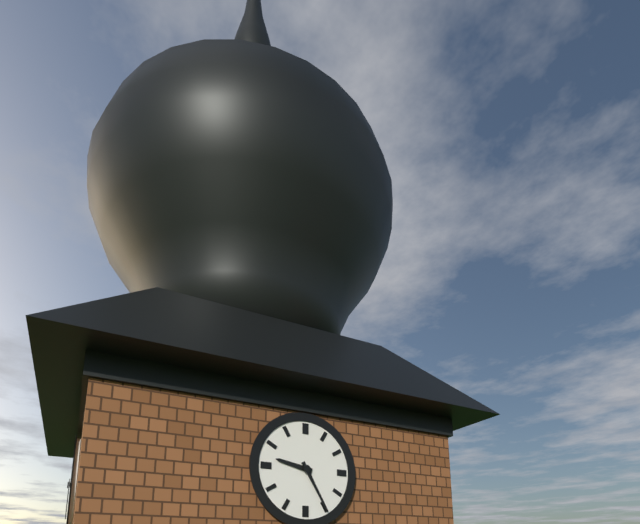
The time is 9 h 25 min
